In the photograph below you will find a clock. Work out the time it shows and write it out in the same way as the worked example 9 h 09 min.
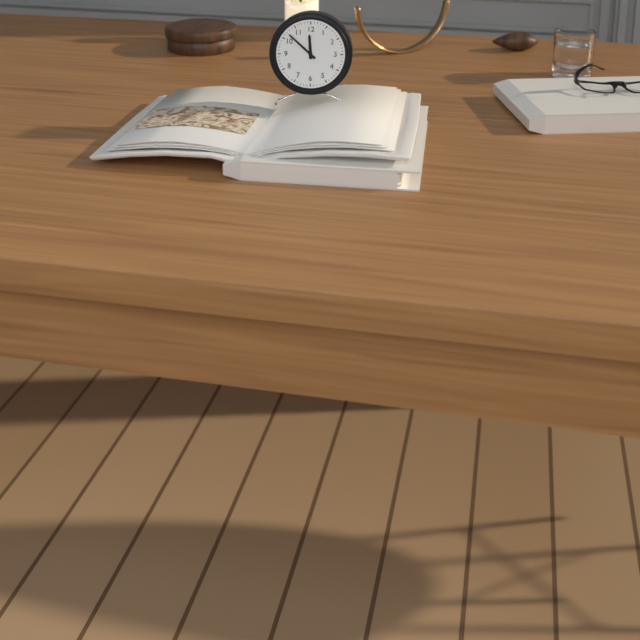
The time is 11 h 52 min
